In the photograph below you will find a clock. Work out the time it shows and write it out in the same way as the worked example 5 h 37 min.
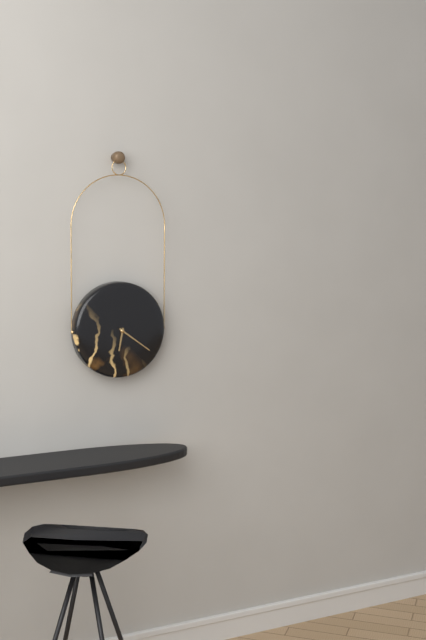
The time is 6 h 21 min
